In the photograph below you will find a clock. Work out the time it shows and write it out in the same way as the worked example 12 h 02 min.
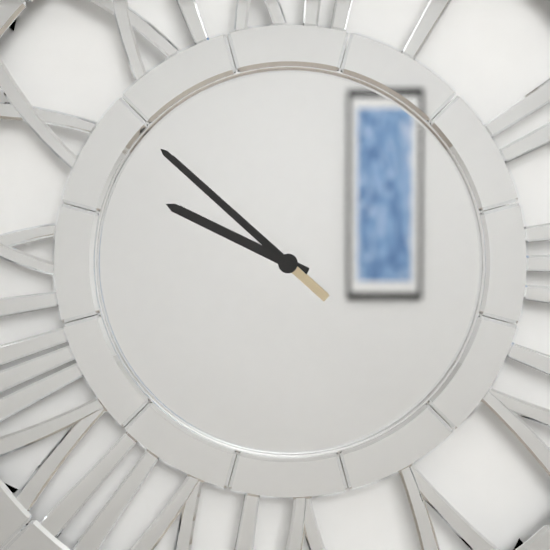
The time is 9 h 52 min
